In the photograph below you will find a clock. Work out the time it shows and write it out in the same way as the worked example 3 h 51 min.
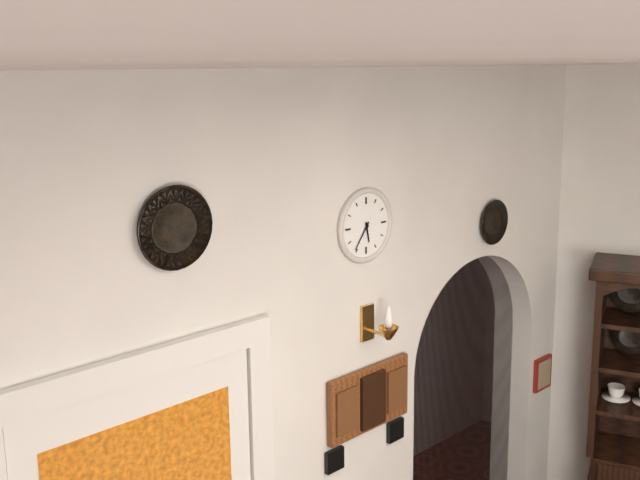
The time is 5 h 36 min
